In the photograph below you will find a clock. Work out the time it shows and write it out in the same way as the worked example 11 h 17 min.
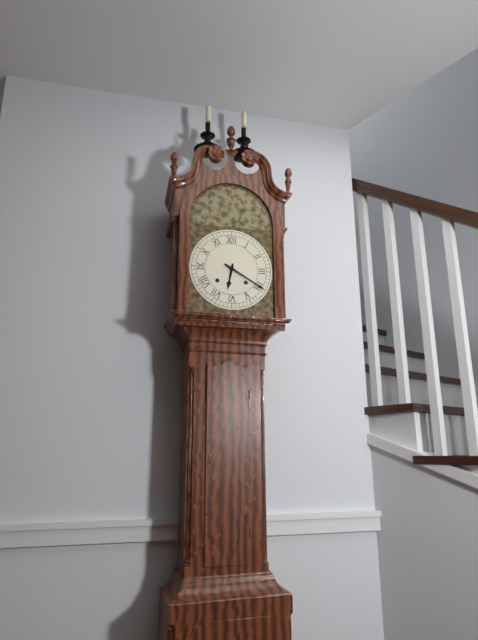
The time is 6 h 20 min
